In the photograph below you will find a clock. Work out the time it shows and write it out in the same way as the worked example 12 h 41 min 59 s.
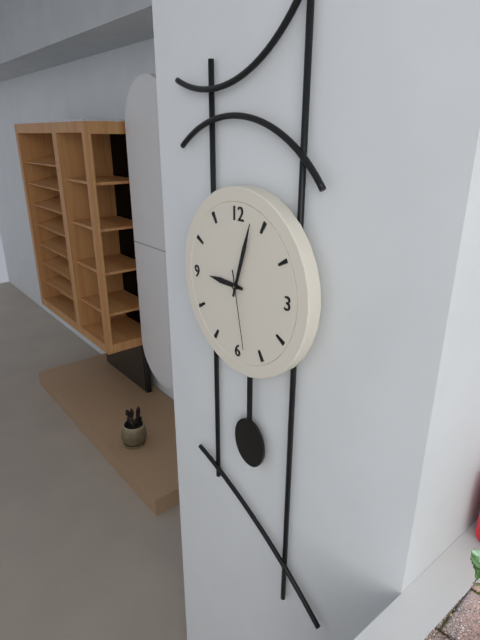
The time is 9 h 03 min 28 s
